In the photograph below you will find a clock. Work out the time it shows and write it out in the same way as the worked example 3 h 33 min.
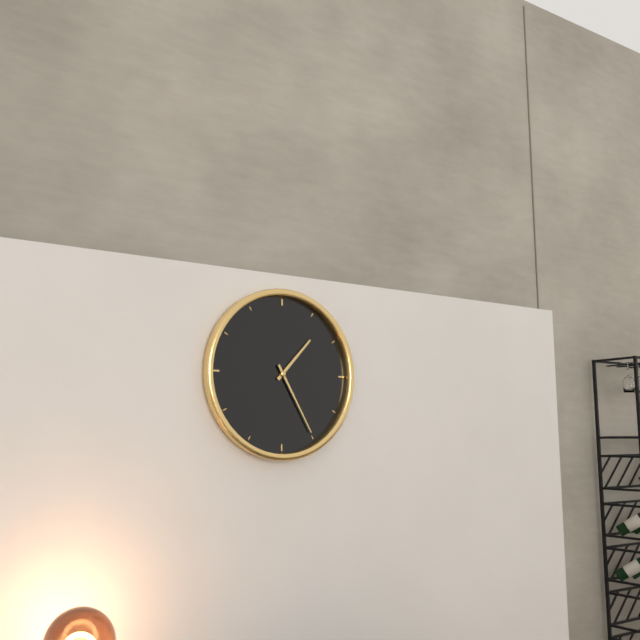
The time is 1 h 25 min
